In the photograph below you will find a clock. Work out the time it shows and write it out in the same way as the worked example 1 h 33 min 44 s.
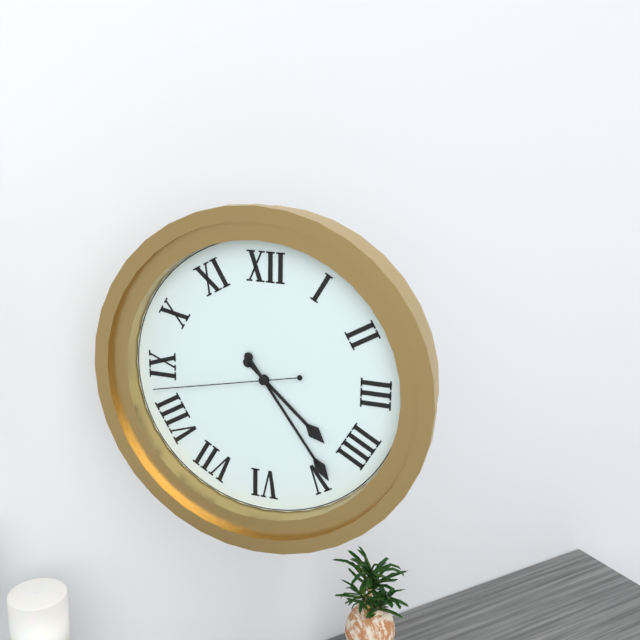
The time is 4 h 24 min 43 s
